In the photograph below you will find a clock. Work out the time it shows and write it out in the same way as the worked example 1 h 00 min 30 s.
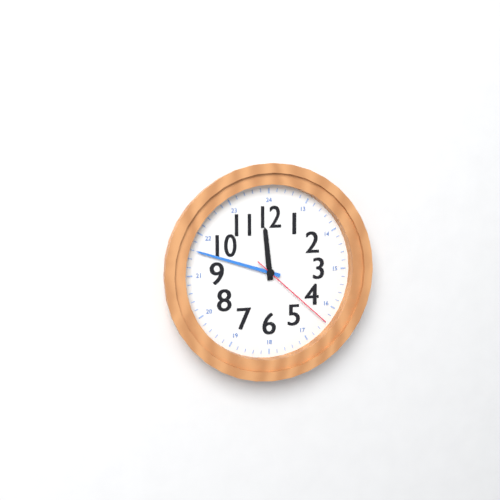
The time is 11 h 48 min 22 s
